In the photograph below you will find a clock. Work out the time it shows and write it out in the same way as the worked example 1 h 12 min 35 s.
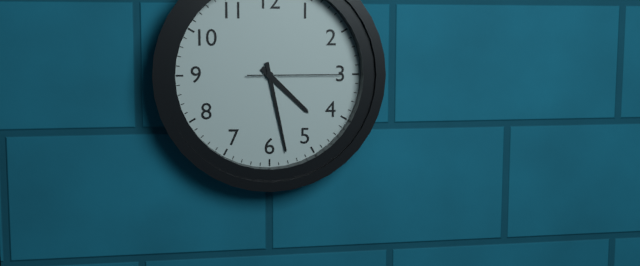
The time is 4 h 28 min 15 s
